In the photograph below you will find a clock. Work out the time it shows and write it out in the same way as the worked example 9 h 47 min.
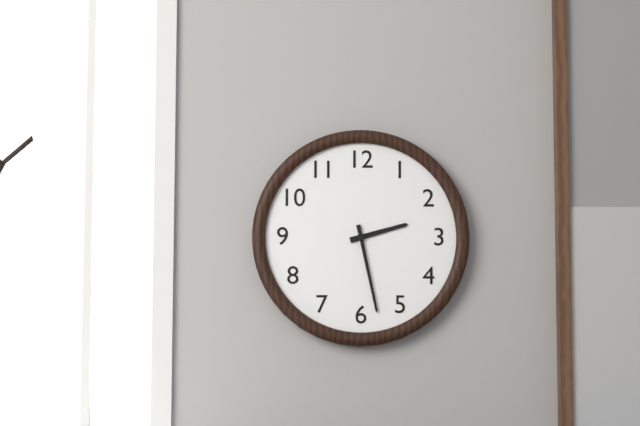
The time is 2 h 28 min
